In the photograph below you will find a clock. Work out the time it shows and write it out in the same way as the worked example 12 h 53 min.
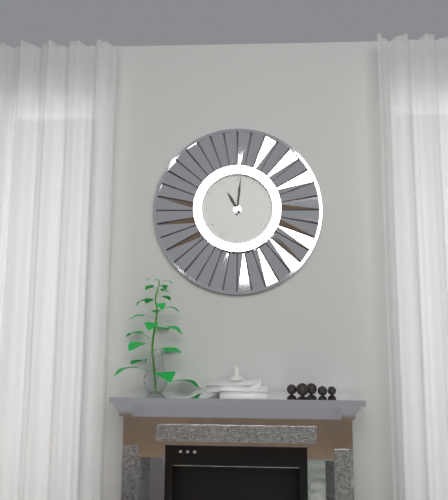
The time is 11 h 01 min
